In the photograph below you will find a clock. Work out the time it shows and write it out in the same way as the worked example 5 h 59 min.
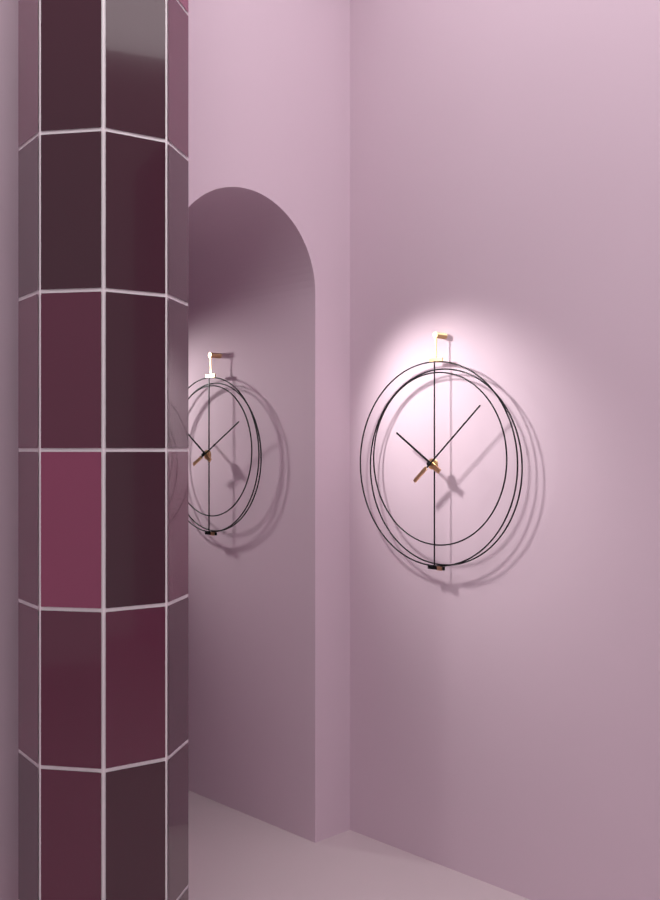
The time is 10 h 08 min
